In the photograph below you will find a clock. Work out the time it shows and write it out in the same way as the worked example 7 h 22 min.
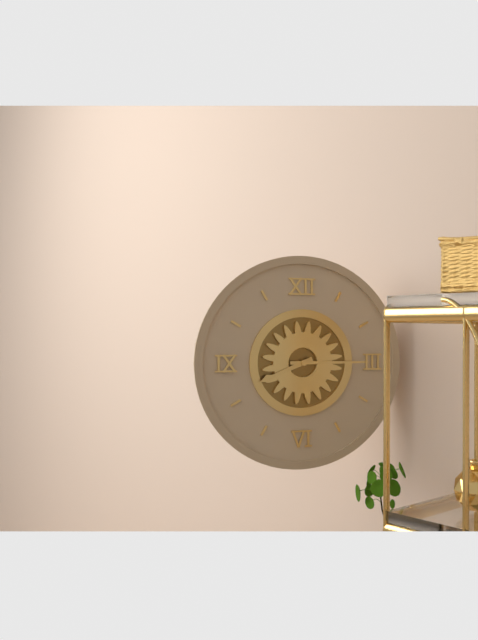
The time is 8 h 15 min
